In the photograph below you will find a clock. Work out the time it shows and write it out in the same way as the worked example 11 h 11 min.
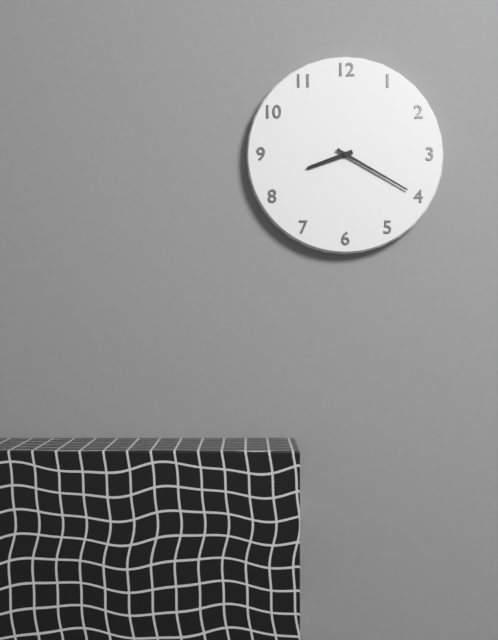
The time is 8 h 20 min
